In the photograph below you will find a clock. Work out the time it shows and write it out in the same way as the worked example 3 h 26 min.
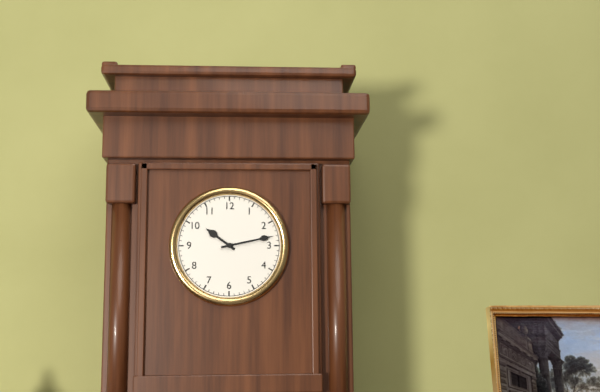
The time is 10 h 13 min
